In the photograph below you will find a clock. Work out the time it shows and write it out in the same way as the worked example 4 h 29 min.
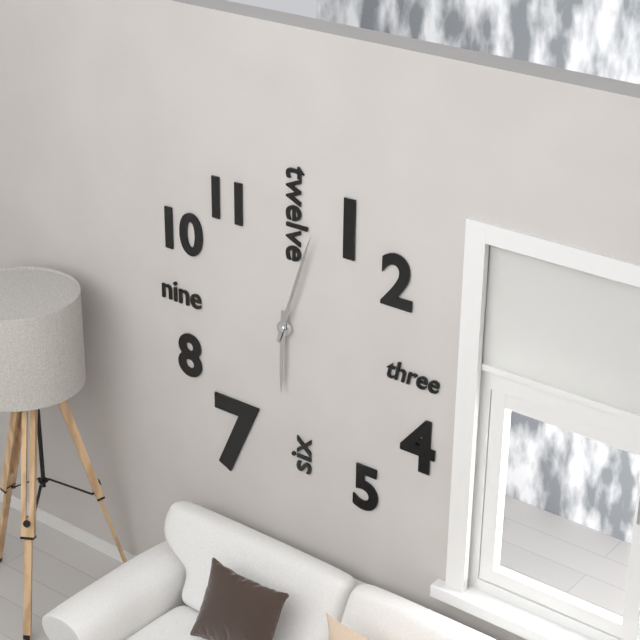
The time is 6 h 03 min
